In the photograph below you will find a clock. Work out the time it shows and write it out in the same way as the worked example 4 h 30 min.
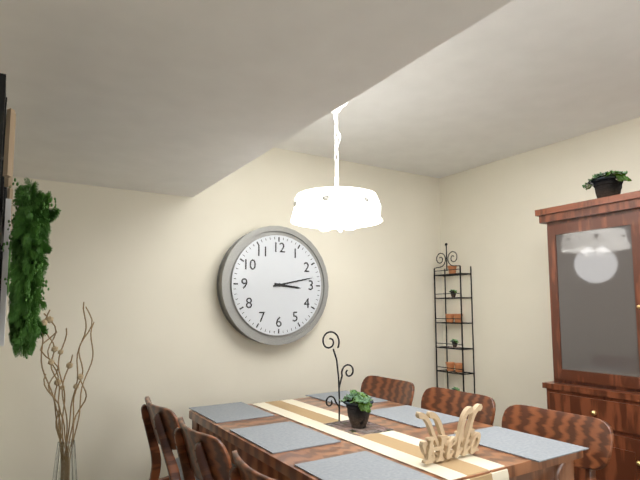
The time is 3 h 13 min
